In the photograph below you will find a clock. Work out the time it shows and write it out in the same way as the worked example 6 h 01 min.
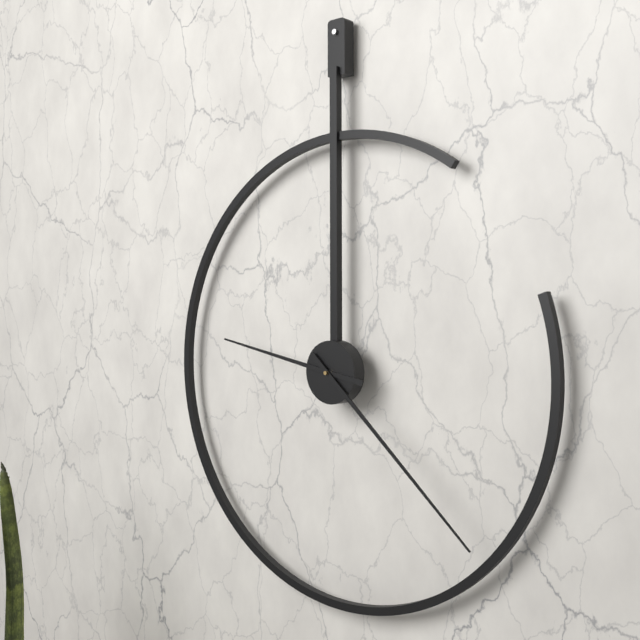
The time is 9 h 22 min
